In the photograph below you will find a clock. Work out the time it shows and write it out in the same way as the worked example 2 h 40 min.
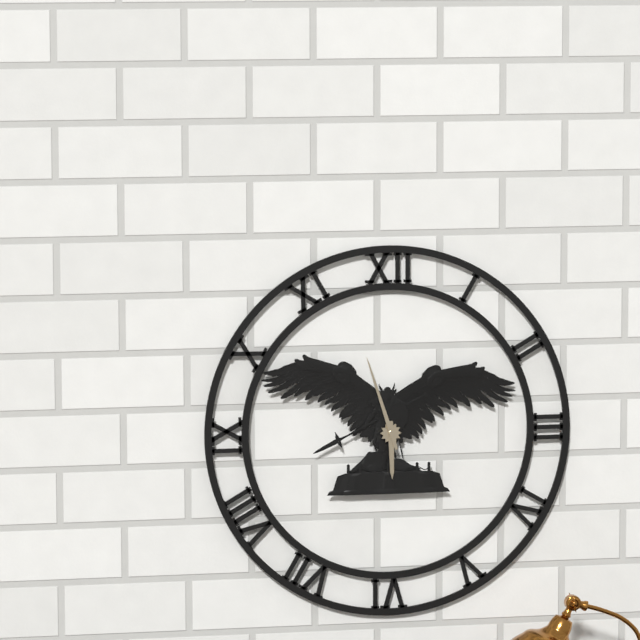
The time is 5 h 57 min
